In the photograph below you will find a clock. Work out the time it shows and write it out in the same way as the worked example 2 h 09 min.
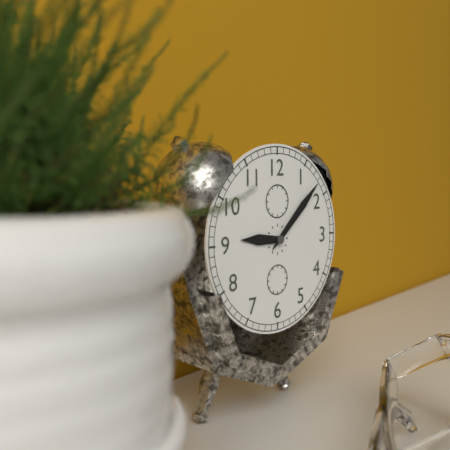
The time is 9 h 08 min
